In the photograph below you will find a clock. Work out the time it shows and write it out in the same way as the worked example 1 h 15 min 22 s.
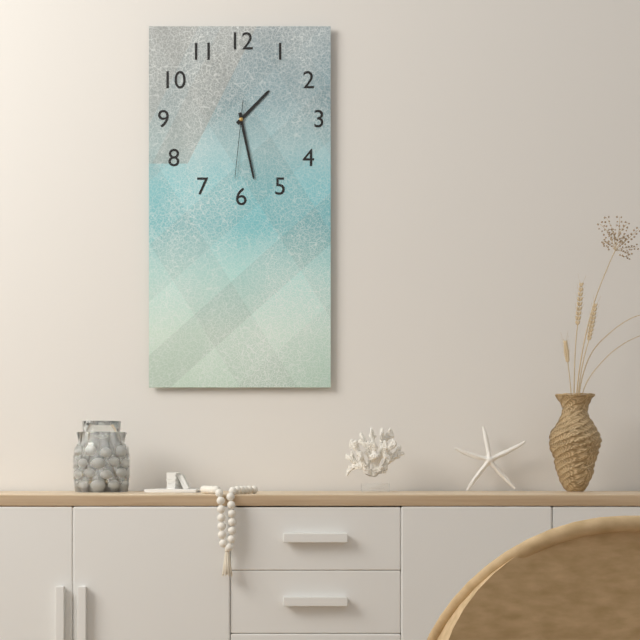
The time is 1 h 28 min 31 s
